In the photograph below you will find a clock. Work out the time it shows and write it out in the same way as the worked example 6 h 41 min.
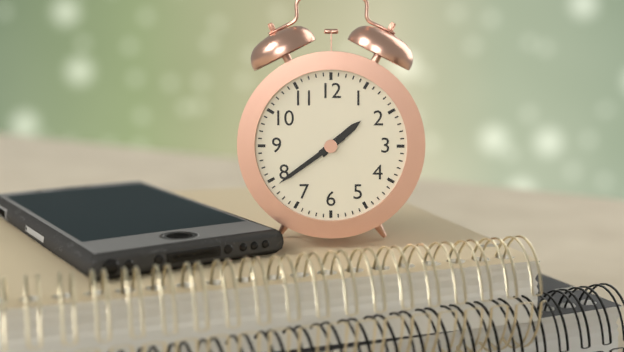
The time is 1 h 39 min
